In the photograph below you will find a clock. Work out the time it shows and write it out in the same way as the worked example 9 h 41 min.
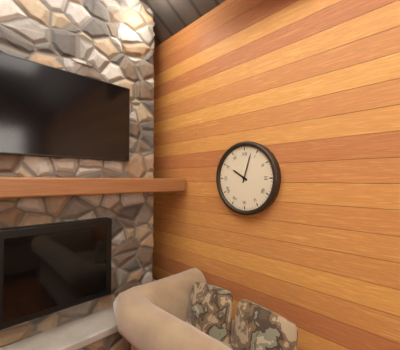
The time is 10 h 03 min
